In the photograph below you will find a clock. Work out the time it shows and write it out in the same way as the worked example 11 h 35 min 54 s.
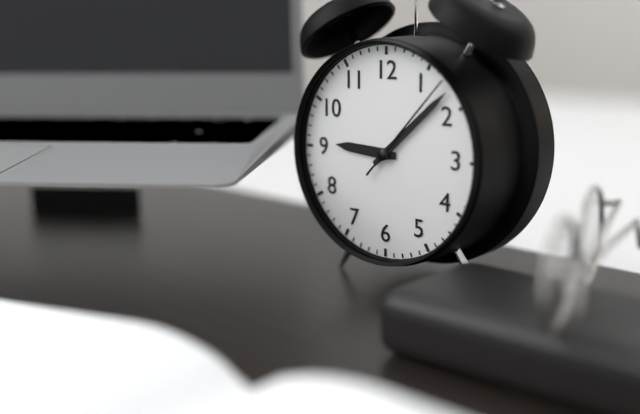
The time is 9 h 08 min 07 s
